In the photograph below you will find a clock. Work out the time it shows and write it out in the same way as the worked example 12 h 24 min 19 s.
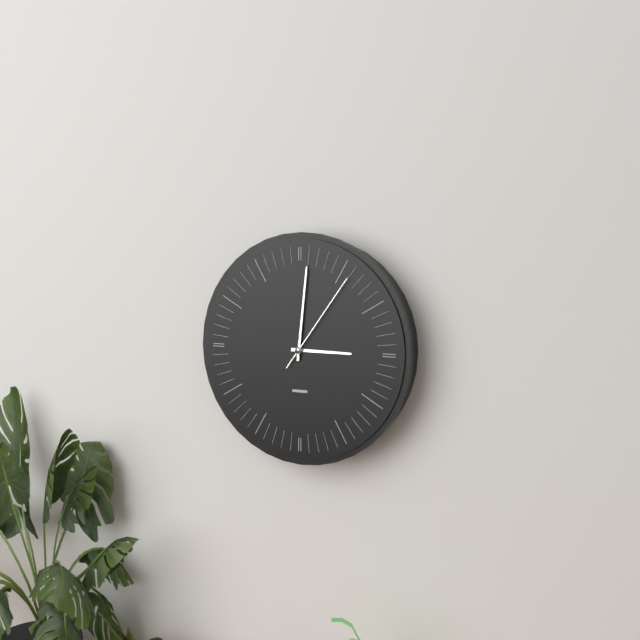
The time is 3 h 01 min 06 s
